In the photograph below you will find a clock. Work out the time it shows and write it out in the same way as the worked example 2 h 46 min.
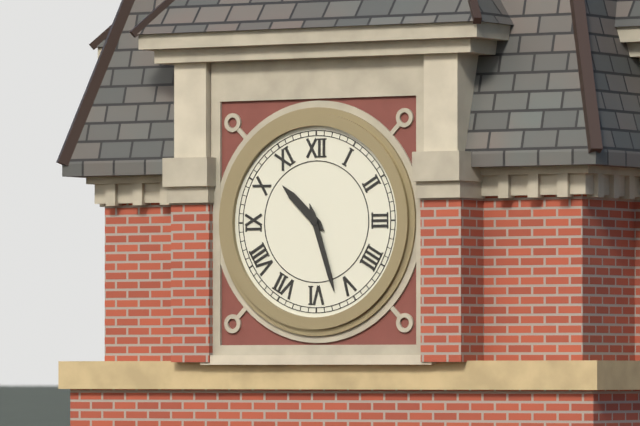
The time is 10 h 27 min
